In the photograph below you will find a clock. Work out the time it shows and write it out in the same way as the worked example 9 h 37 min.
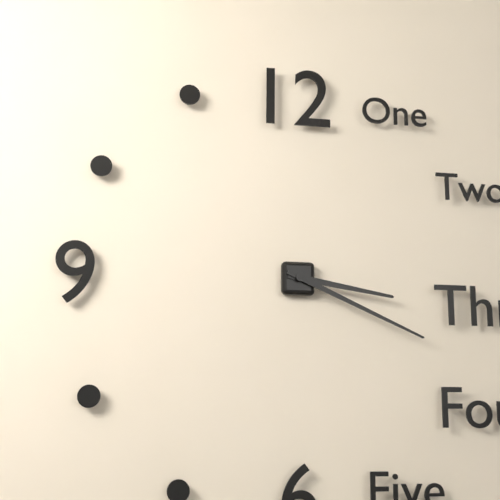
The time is 3 h 19 min
